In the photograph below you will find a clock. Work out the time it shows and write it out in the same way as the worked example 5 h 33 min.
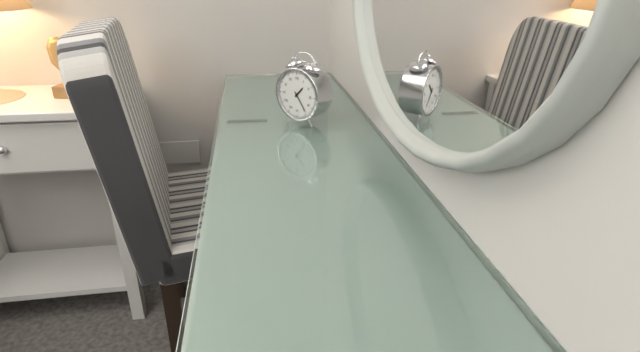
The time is 1 h 24 min
